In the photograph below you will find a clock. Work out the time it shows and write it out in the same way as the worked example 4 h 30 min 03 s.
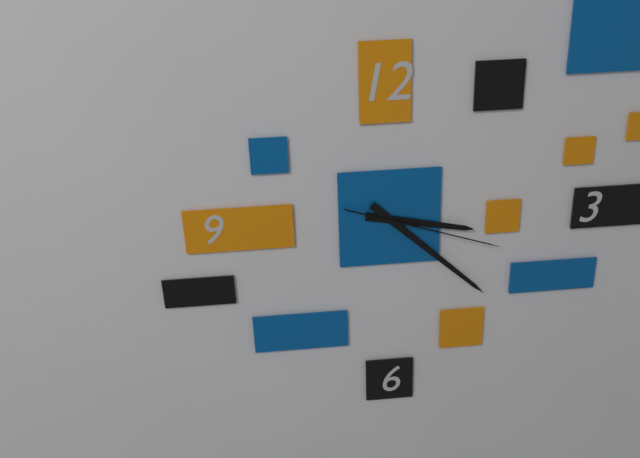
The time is 3 h 22 min 18 s
